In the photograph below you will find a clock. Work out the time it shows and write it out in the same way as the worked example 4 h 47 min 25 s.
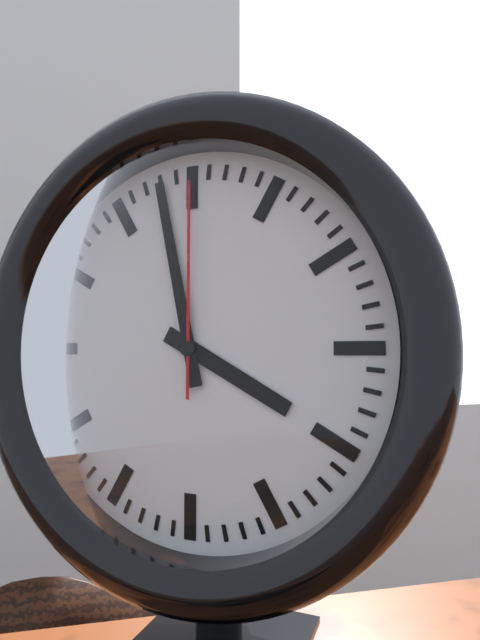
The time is 3 h 58 min 00 s
